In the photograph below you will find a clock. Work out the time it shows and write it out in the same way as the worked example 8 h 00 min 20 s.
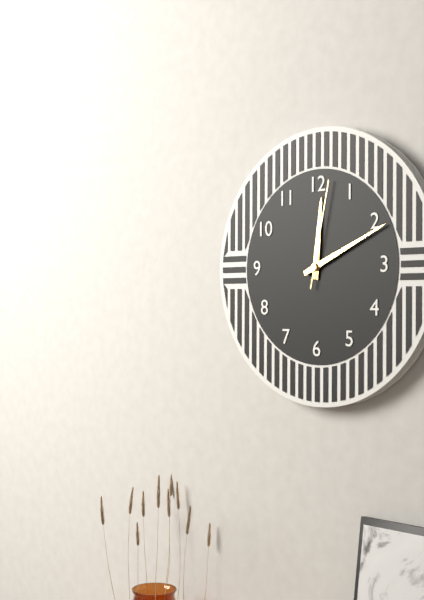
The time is 12 h 11 min 02 s
